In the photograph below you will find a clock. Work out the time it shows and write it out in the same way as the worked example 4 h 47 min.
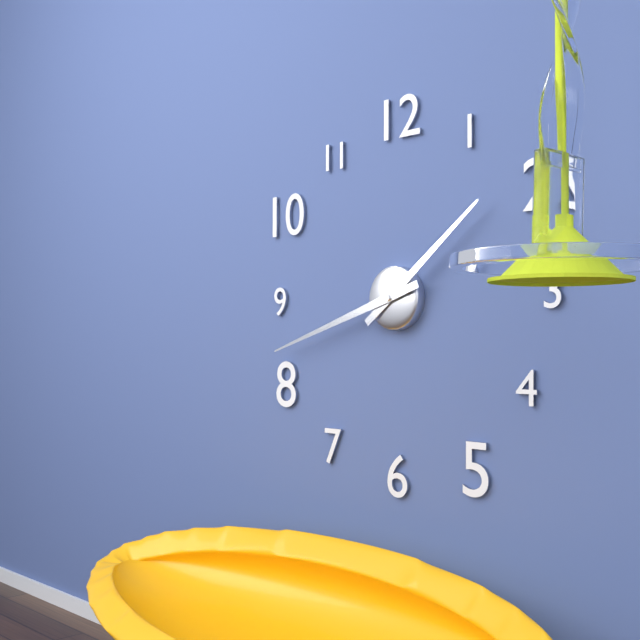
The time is 1 h 42 min
